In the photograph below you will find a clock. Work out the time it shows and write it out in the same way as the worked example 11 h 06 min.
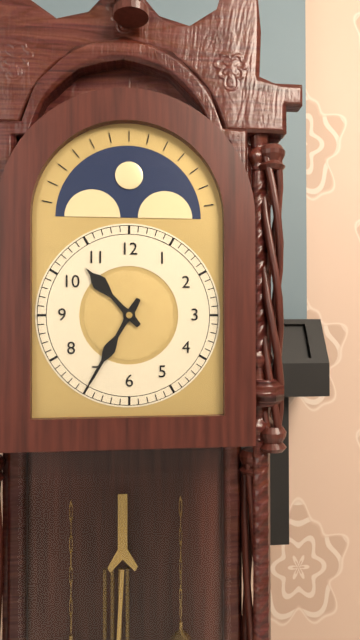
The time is 10 h 35 min
